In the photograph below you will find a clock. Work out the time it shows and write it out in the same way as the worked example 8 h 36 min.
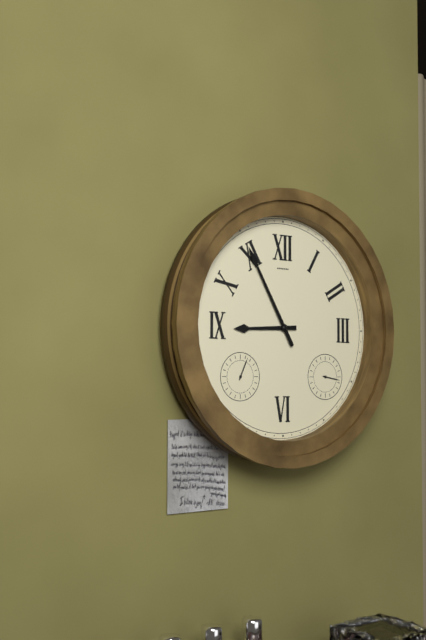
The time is 8 h 55 min
